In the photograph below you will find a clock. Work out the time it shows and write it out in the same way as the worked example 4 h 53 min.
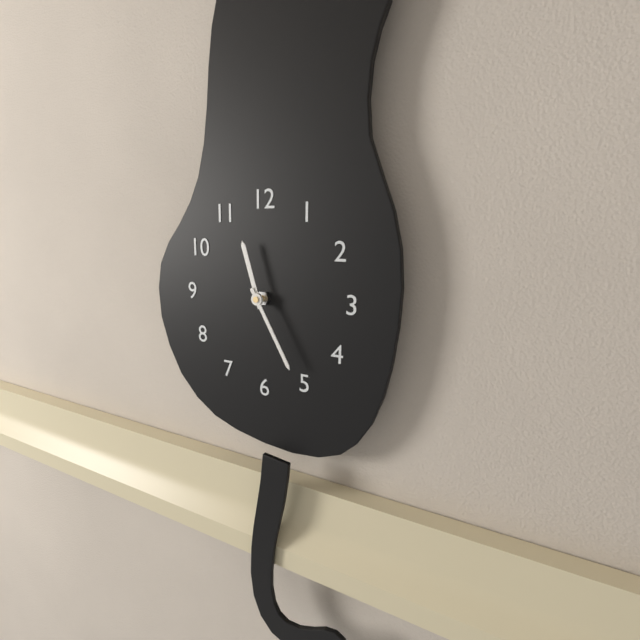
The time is 11 h 25 min
